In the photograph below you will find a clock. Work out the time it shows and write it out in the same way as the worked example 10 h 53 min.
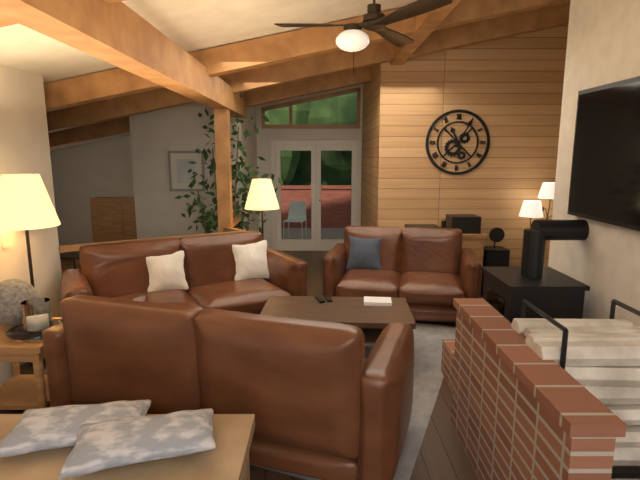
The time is 11 h 05 min
